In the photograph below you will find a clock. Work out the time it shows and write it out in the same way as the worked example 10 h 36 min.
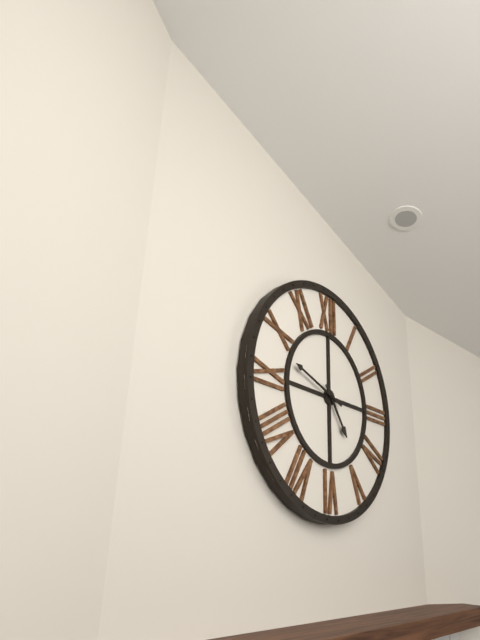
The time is 4 h 48 min
